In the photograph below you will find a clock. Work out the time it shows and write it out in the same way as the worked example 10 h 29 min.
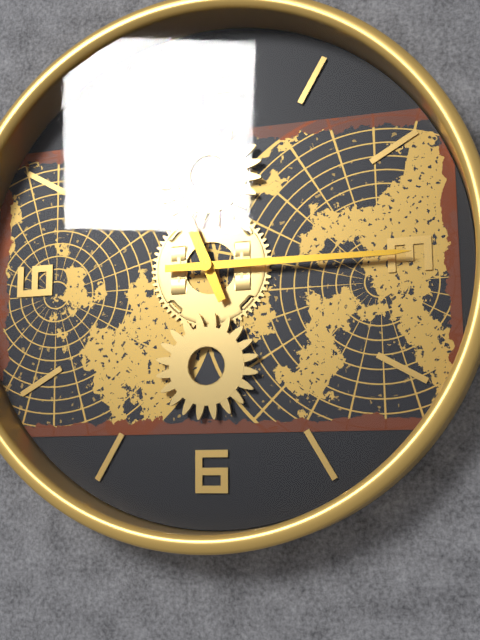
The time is 11 h 15 min
